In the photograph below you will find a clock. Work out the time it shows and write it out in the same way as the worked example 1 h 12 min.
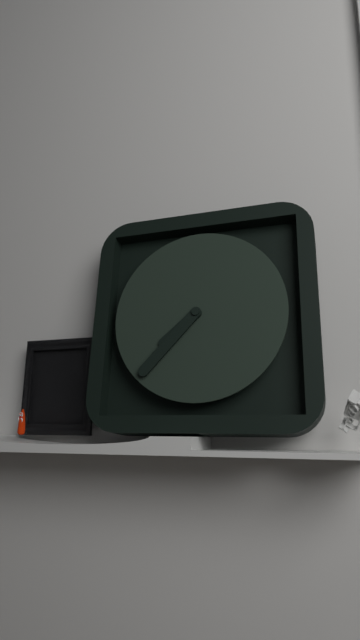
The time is 7 h 37 min
